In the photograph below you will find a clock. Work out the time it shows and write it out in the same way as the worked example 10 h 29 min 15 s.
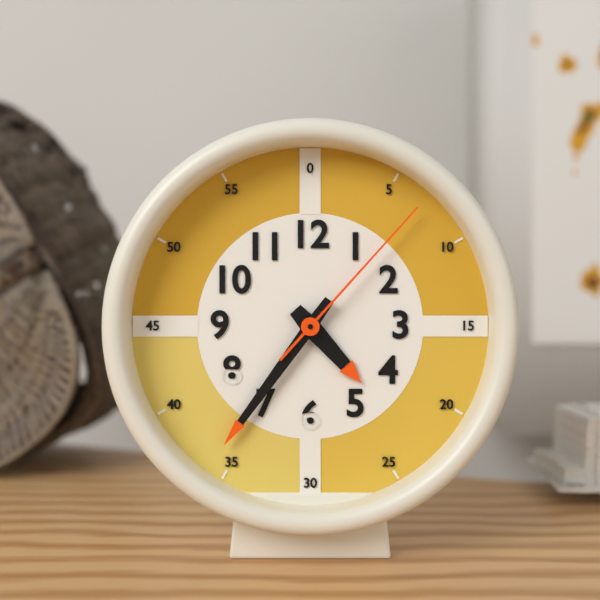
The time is 4 h 36 min 07 s
